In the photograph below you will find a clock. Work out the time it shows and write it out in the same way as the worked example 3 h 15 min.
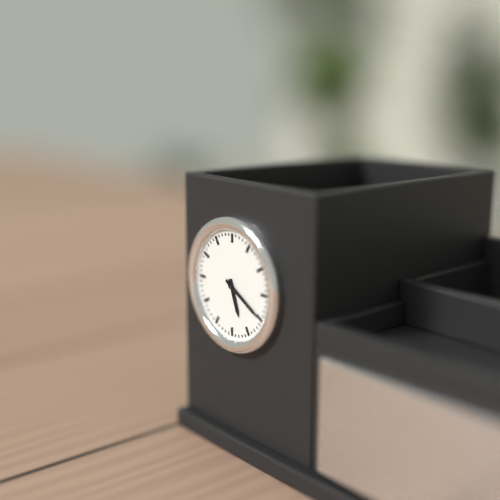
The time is 5 h 20 min
